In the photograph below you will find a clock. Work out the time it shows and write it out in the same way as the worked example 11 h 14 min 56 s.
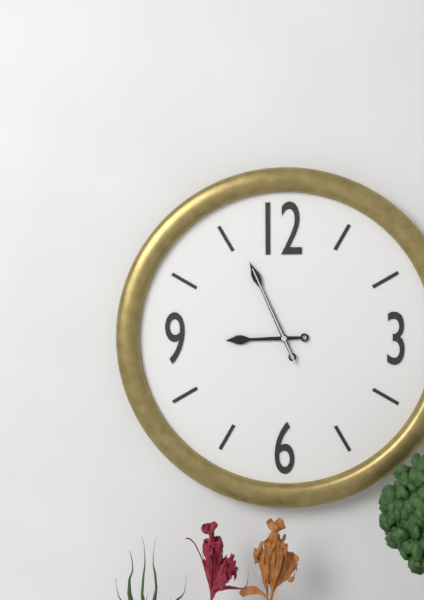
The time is 8 h 56 min 56 s
